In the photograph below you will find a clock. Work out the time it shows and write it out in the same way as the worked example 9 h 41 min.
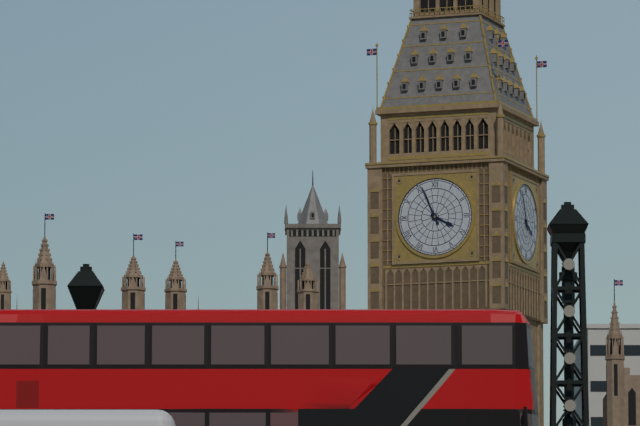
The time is 3 h 56 min
